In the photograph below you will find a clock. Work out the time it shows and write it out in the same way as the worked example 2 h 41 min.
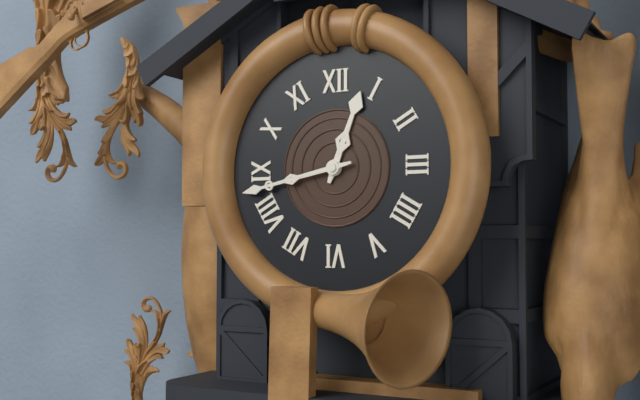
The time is 12 h 43 min
